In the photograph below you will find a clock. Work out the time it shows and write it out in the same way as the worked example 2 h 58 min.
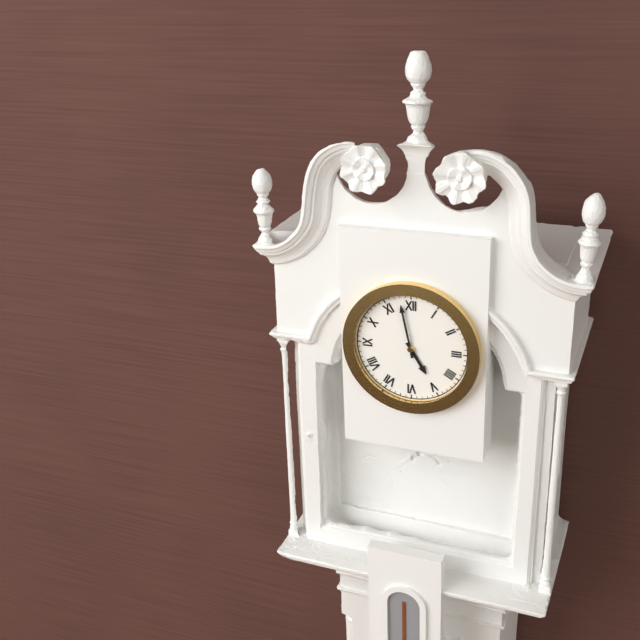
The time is 4 h 58 min
